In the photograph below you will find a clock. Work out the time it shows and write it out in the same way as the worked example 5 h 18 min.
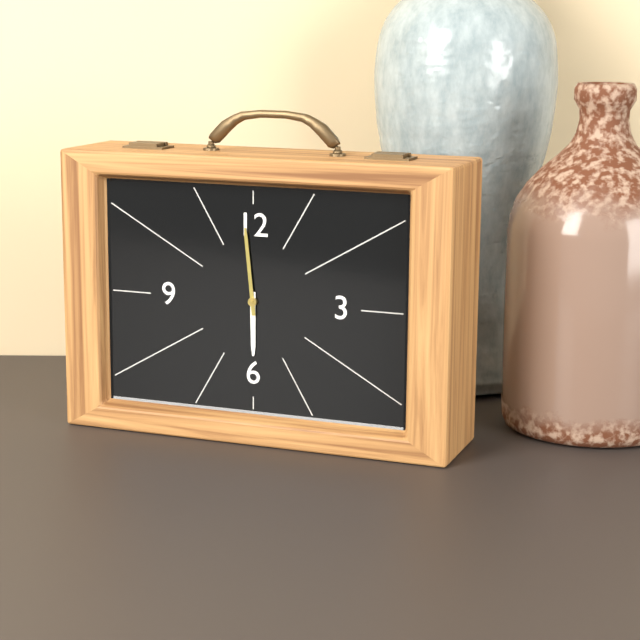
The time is 5 h 59 min
